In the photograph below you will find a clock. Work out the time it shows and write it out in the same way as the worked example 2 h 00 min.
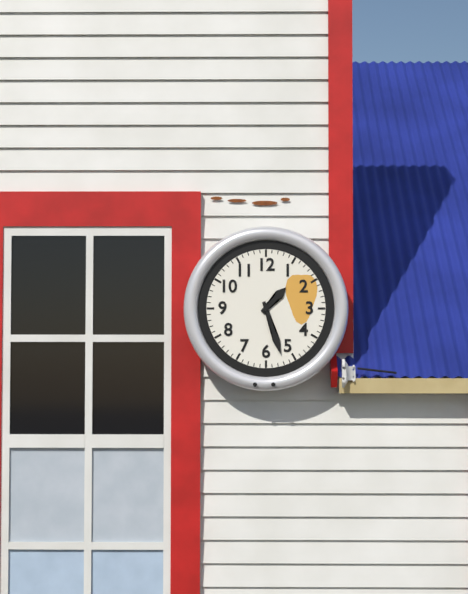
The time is 1 h 27 min
